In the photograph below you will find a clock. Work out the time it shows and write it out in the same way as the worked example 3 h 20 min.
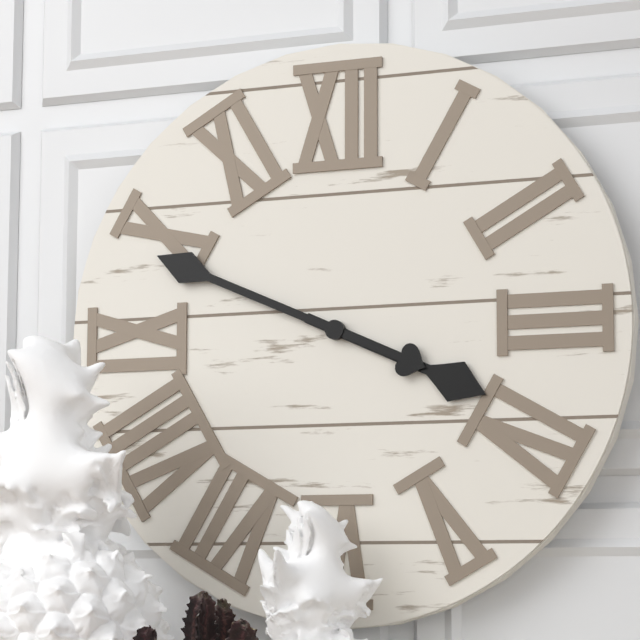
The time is 3 h 49 min
